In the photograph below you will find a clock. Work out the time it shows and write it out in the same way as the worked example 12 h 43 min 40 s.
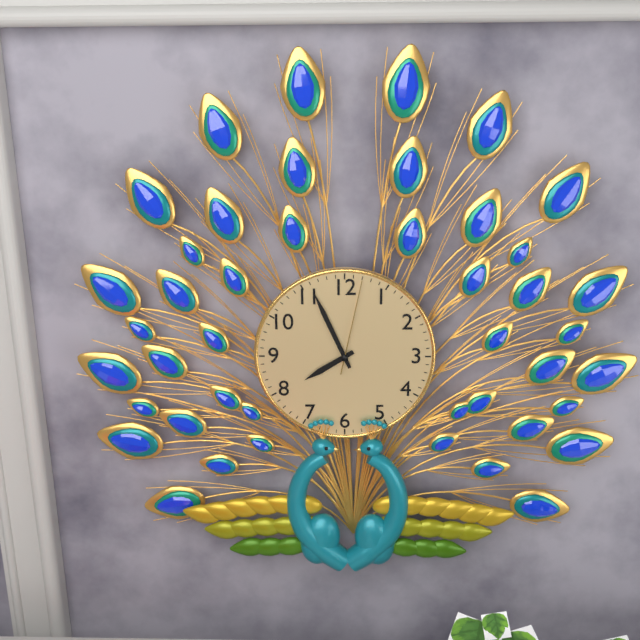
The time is 7 h 56 min 02 s
